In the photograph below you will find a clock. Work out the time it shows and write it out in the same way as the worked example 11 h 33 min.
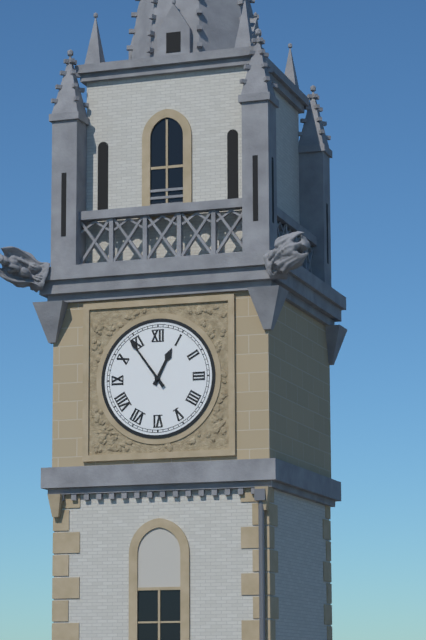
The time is 12 h 54 min
